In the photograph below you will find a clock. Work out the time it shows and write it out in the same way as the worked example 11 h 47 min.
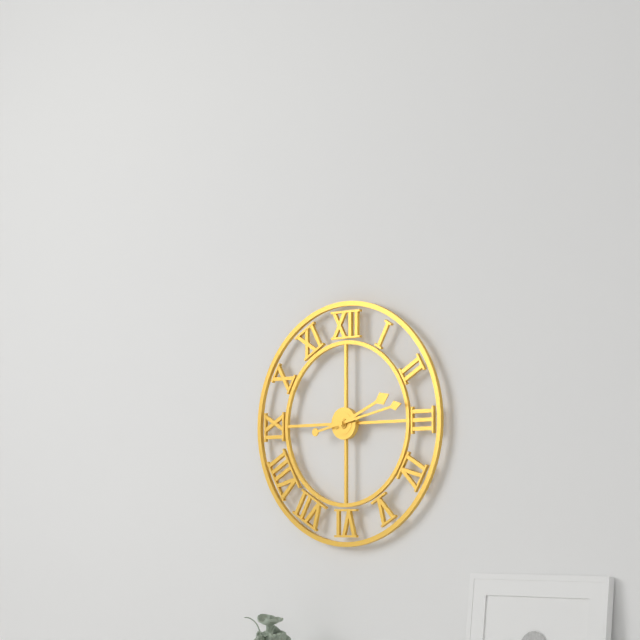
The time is 2 h 13 min
